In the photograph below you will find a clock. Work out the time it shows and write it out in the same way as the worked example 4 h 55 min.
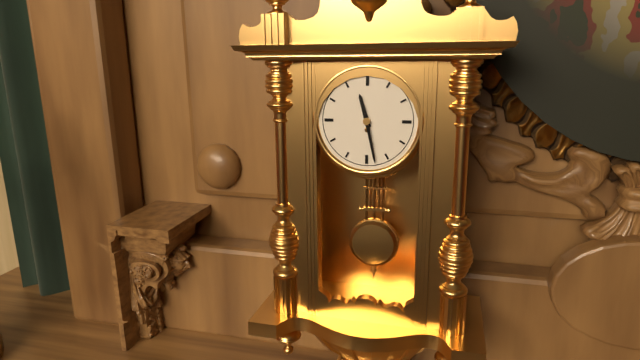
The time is 11 h 28 min
